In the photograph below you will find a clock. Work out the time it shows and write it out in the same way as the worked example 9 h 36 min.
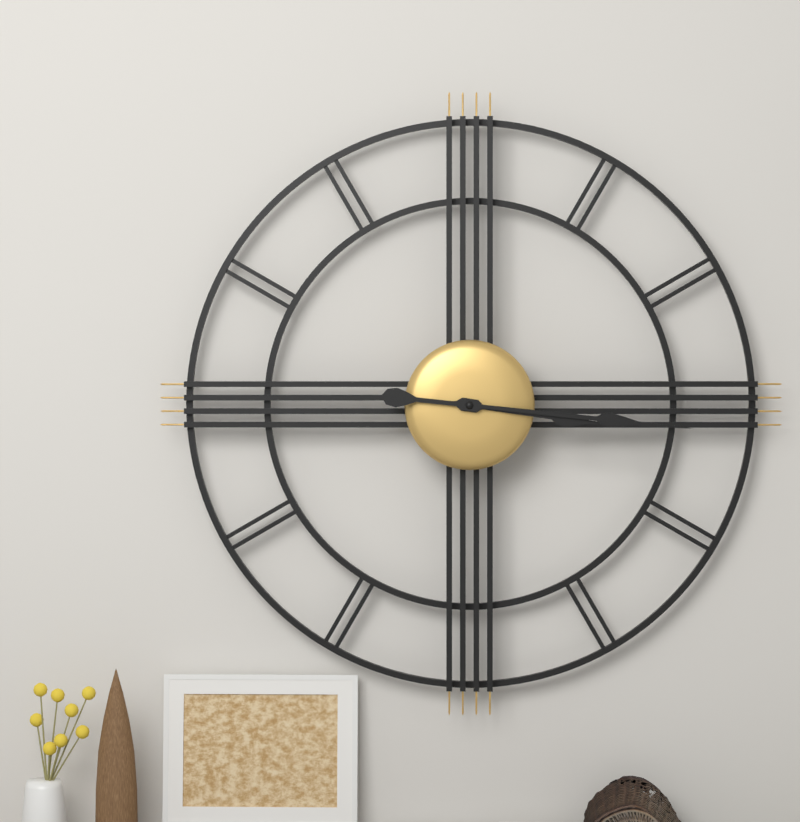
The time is 3 h 16 min
